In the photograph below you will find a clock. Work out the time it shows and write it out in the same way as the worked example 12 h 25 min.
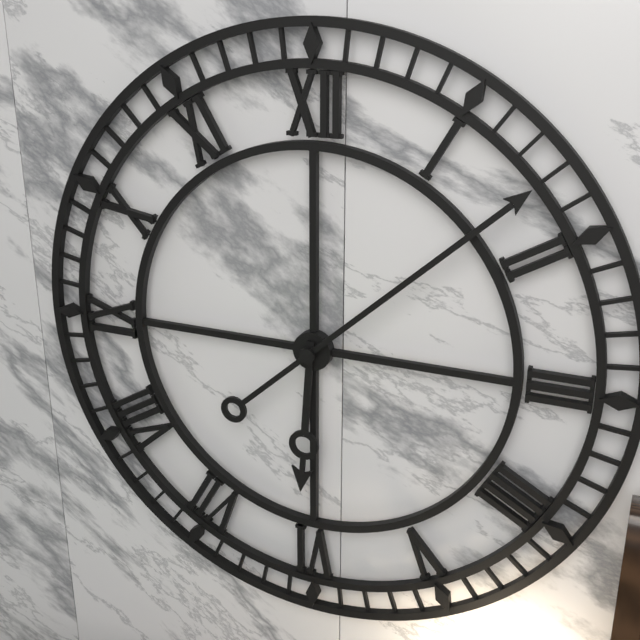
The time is 6 h 08 min
